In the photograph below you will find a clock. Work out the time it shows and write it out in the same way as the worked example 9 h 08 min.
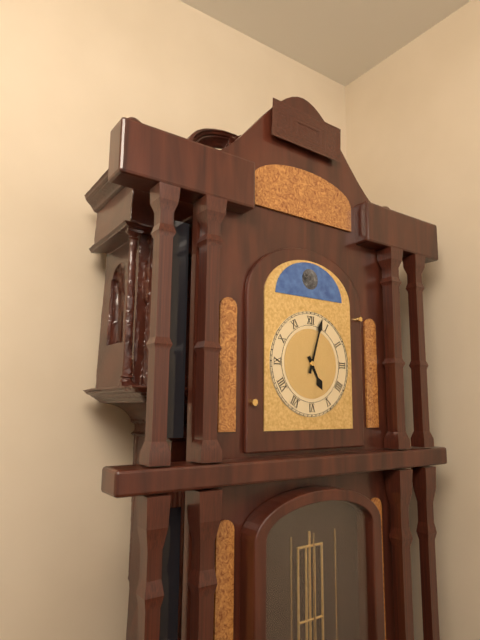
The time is 5 h 03 min
